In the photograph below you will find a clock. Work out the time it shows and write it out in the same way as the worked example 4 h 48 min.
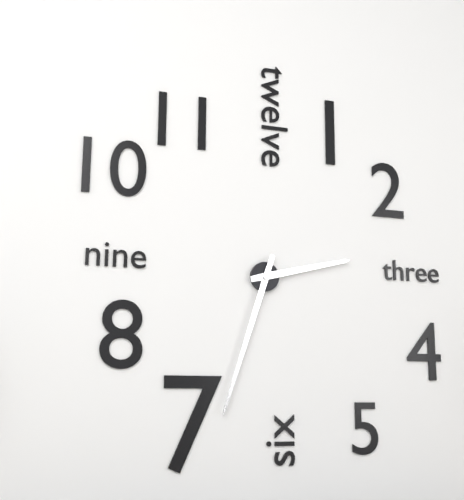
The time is 2 h 33 min
